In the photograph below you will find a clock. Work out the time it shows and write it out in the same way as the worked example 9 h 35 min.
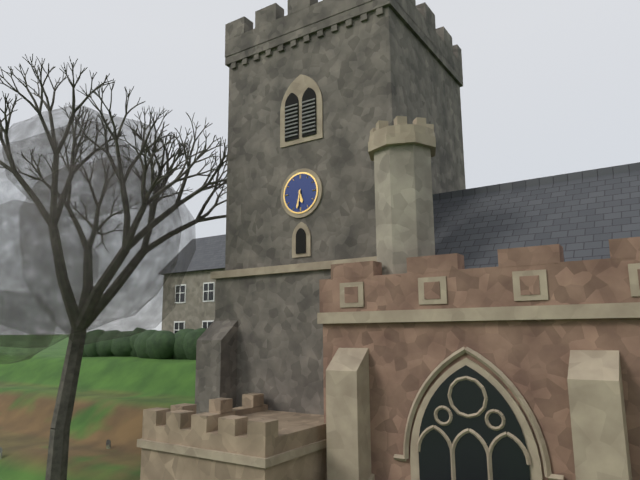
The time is 5 h 32 min
